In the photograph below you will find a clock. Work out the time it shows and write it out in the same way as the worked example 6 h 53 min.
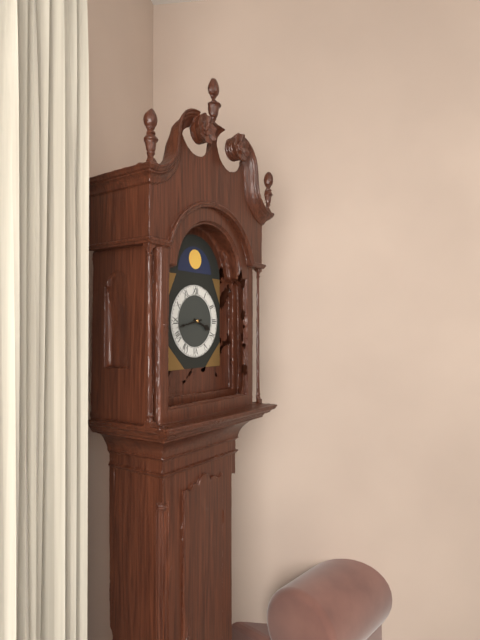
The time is 3 h 43 min
